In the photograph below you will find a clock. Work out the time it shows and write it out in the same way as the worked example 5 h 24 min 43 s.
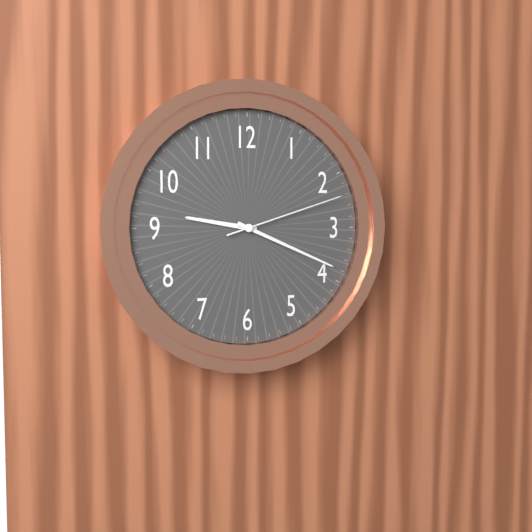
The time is 9 h 19 min 12 s
